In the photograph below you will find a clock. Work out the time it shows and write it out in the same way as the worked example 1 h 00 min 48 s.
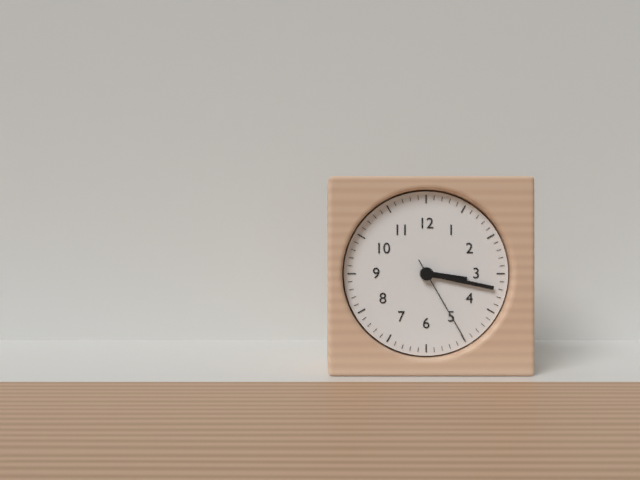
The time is 3 h 17 min 25 s
